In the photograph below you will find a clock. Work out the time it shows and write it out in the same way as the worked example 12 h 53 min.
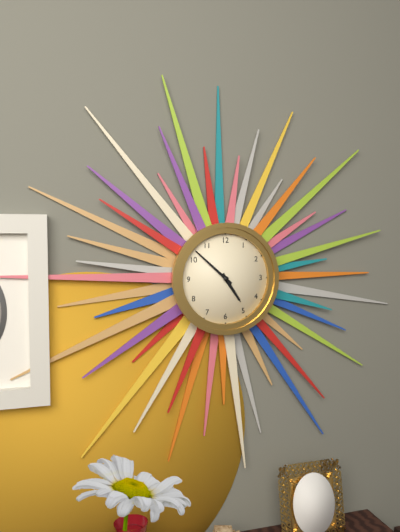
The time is 4 h 52 min
